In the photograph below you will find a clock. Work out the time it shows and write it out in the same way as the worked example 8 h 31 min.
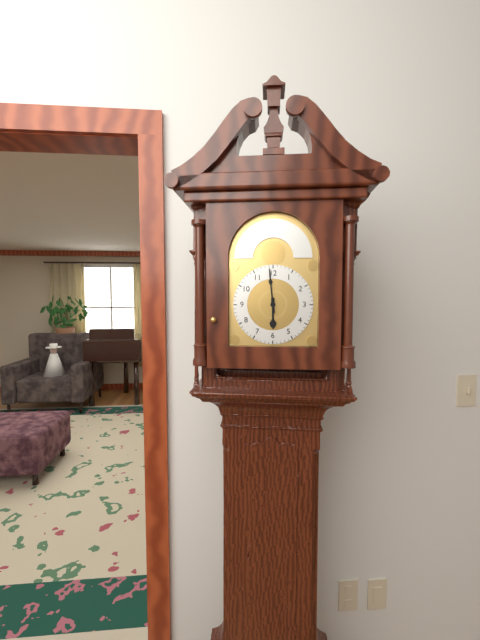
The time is 5 h 59 min
